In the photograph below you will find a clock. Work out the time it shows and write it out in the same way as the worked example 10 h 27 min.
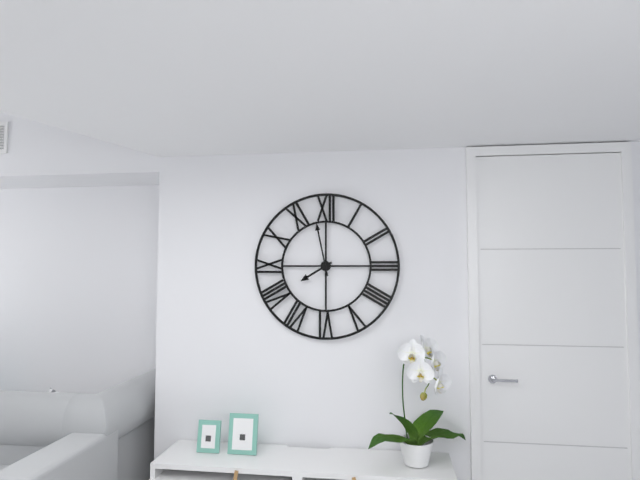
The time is 7 h 58 min
